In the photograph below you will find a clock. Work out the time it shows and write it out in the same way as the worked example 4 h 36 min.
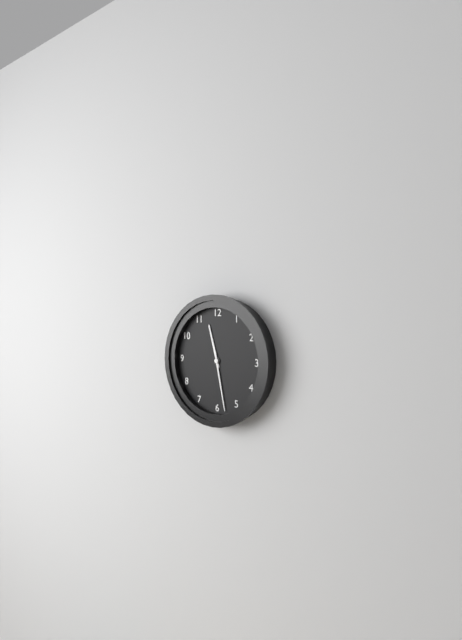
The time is 11 h 28 min
